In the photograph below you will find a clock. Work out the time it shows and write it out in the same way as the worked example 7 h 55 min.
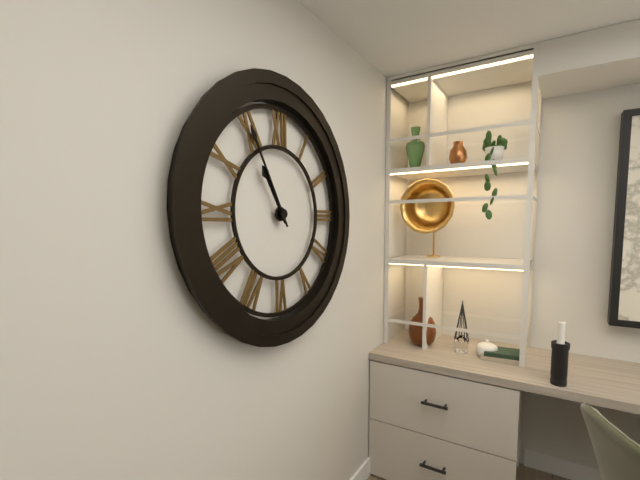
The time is 10 h 55 min
